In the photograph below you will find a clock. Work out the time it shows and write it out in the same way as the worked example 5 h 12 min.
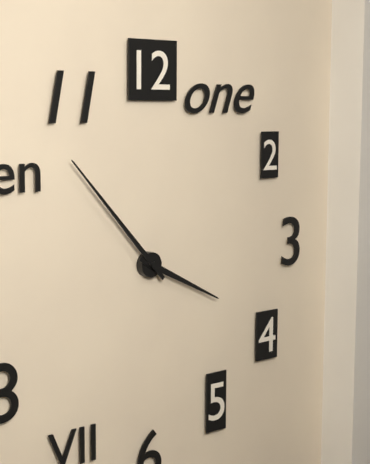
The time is 3 h 53 min
